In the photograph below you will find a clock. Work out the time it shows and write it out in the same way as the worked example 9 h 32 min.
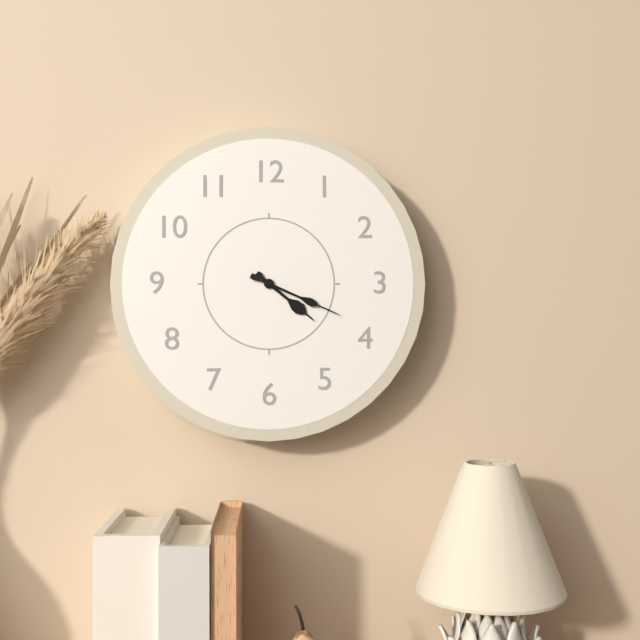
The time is 4 h 19 min
